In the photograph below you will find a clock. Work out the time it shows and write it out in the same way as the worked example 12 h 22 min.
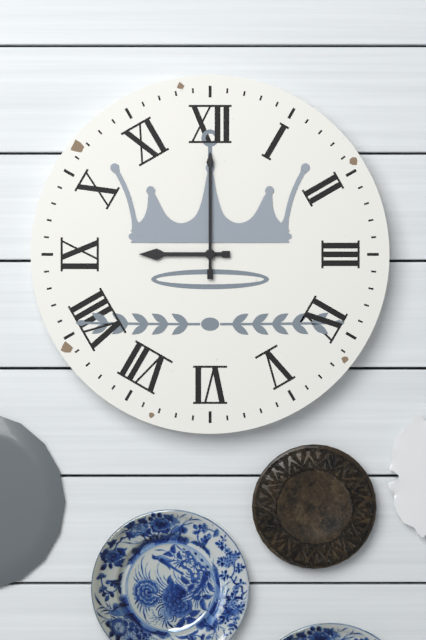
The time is 9 h 00 min
